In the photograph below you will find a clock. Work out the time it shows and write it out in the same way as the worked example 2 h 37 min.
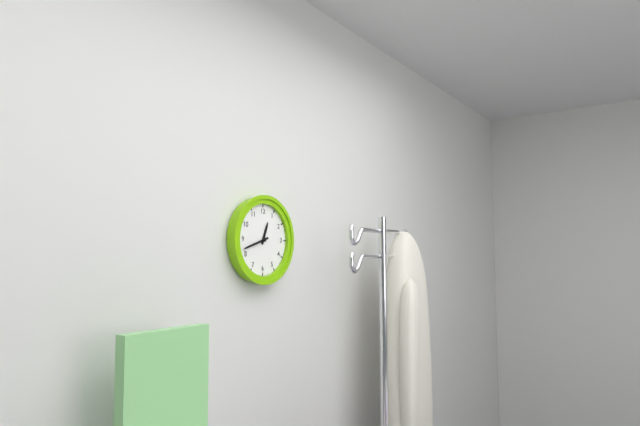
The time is 12 h 42 min
